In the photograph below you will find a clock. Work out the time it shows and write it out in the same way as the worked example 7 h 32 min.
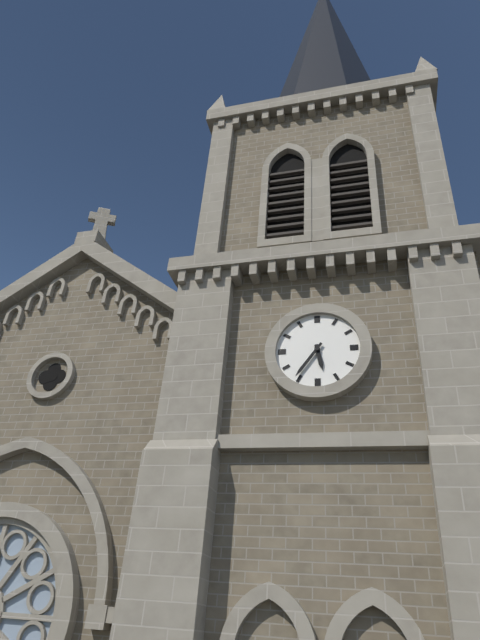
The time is 5 h 36 min
